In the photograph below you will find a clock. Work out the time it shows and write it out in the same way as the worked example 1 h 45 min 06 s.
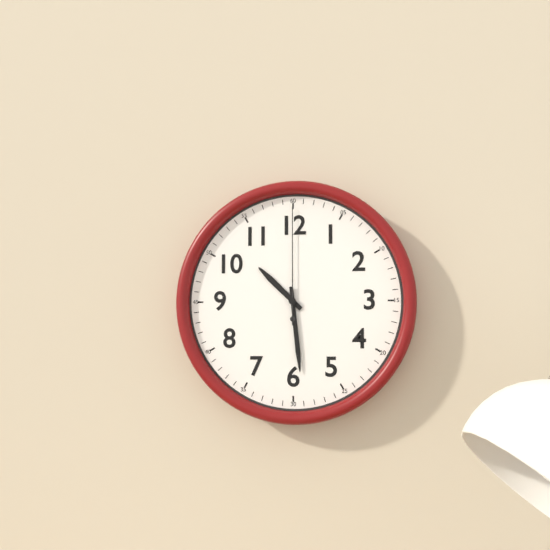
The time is 10 h 29 min 00 s
